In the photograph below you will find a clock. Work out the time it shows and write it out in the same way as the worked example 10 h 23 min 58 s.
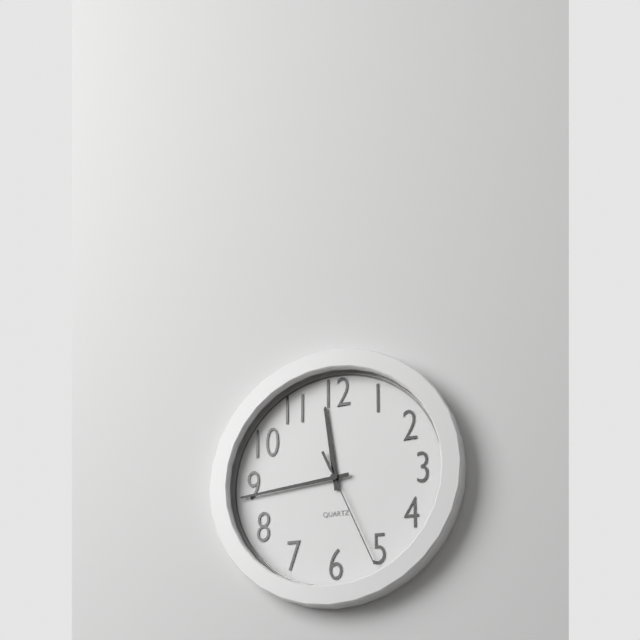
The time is 11 h 44 min 26 s
